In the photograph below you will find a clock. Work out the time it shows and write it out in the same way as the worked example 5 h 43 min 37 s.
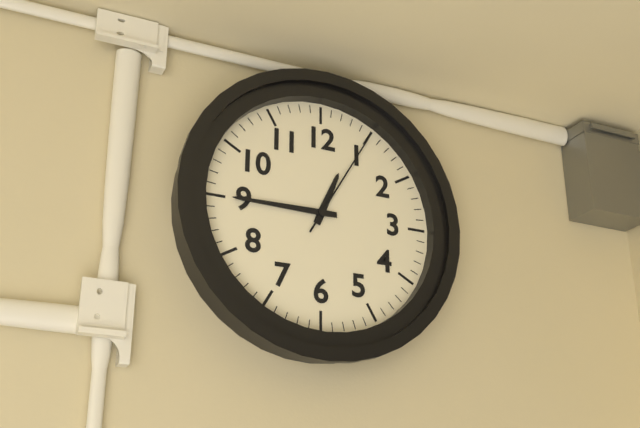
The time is 12 h 45 min 05 s
